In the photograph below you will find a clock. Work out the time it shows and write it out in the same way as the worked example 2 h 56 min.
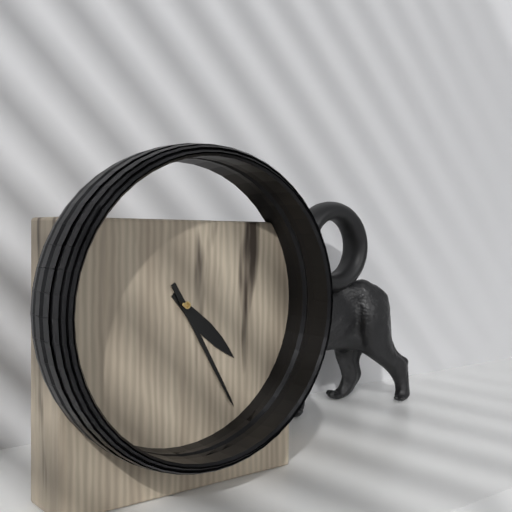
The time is 4 h 25 min
